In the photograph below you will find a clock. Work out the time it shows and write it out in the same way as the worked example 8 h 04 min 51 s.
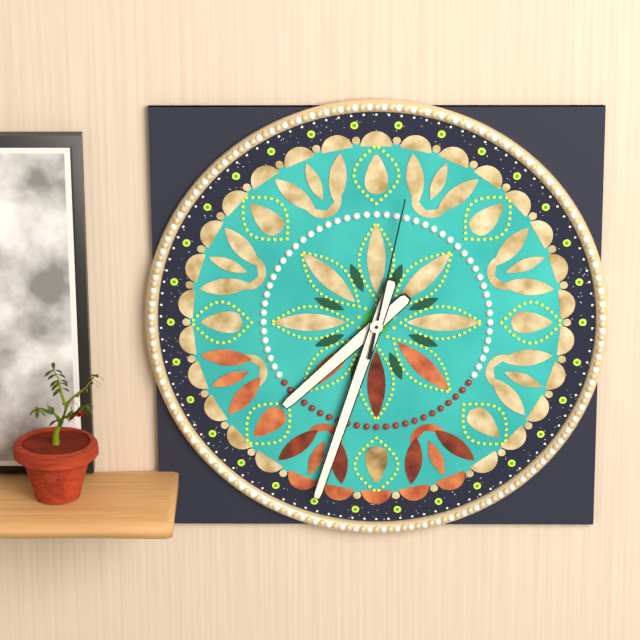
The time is 7 h 33 min 02 s
